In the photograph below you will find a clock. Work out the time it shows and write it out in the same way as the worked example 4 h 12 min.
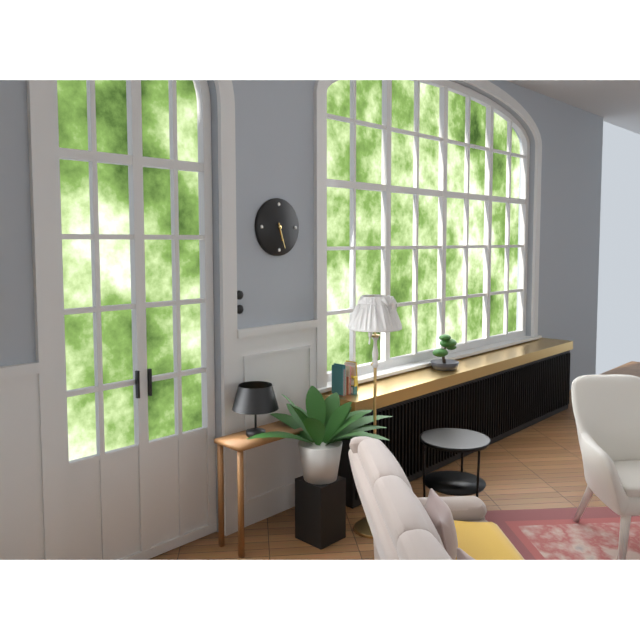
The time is 5 h 27 min
